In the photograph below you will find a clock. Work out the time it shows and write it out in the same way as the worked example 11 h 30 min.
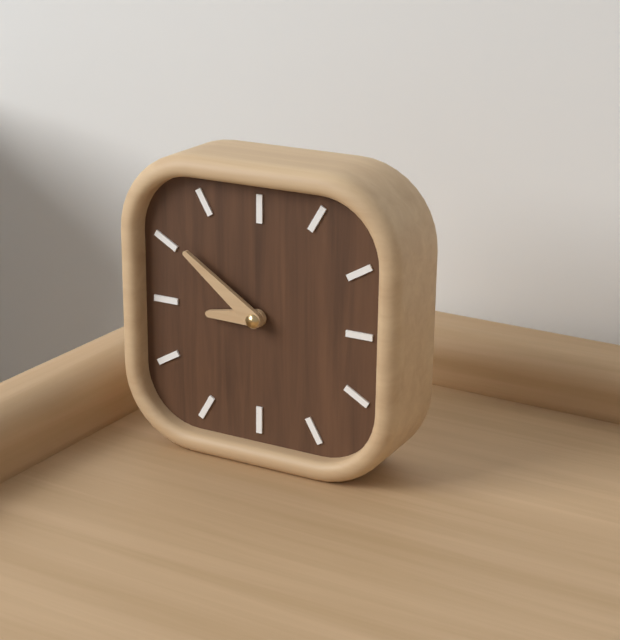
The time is 8 h 51 min
